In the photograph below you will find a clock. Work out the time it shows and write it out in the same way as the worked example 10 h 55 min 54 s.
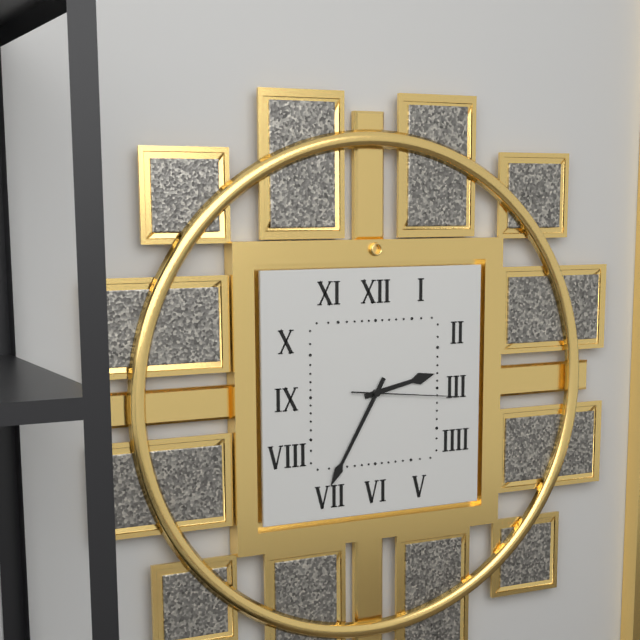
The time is 2 h 35 min 16 s
